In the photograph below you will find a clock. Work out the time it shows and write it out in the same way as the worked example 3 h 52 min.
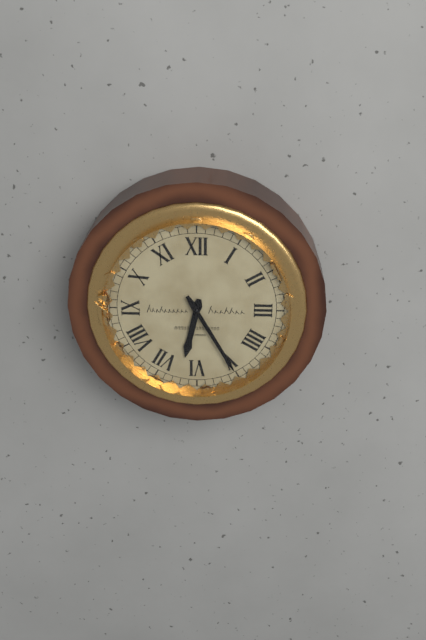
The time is 6 h 25 min
